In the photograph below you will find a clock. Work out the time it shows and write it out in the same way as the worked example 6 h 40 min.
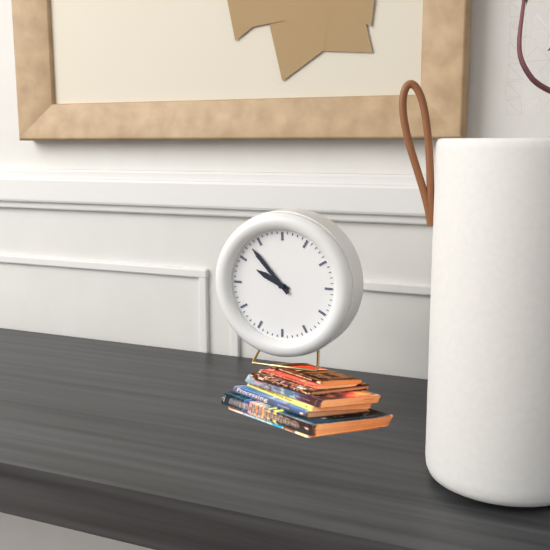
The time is 9 h 53 min
